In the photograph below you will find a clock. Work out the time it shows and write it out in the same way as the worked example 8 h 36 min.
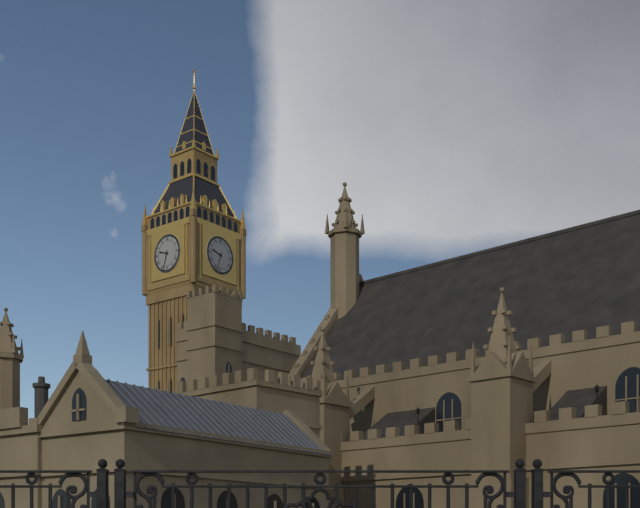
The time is 9 h 33 min
